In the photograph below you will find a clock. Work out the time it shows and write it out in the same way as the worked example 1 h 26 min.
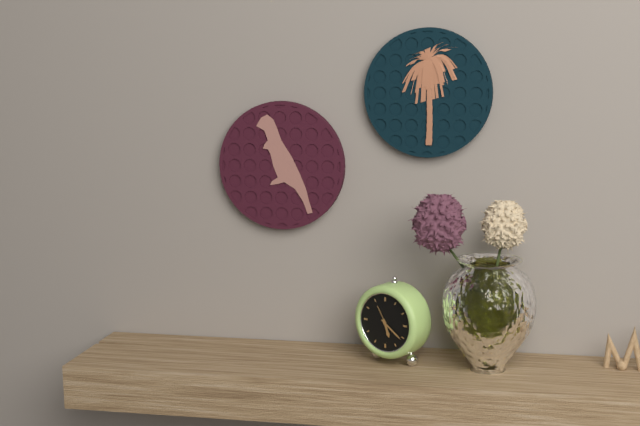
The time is 5 h 21 min
